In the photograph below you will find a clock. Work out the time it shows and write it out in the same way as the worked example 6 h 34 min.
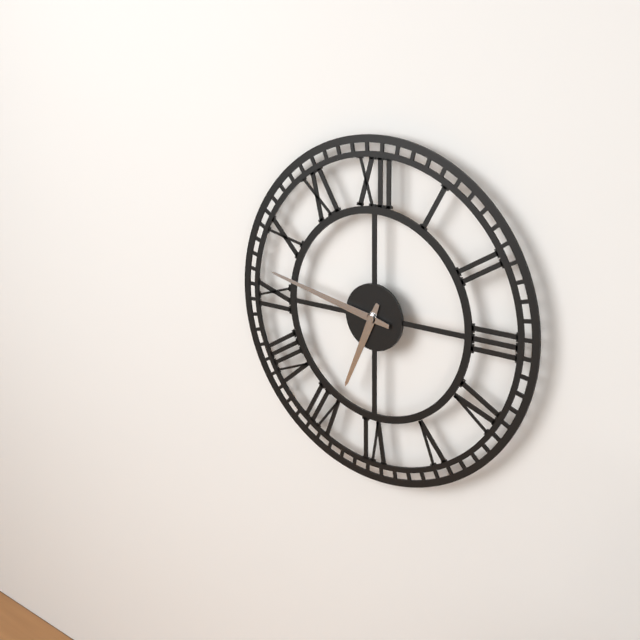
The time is 6 h 47 min
